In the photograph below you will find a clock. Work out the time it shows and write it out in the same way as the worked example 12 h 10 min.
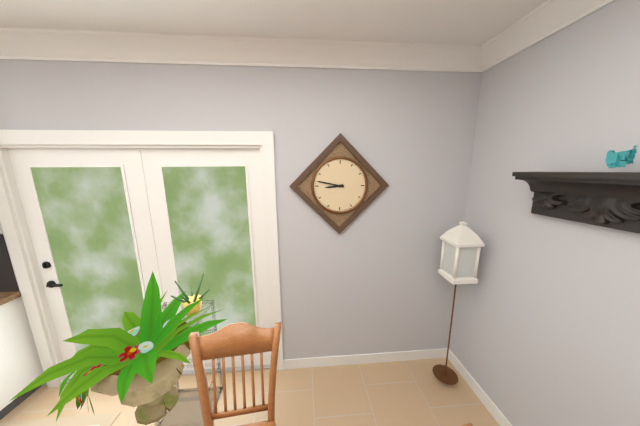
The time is 8 h 47 min
